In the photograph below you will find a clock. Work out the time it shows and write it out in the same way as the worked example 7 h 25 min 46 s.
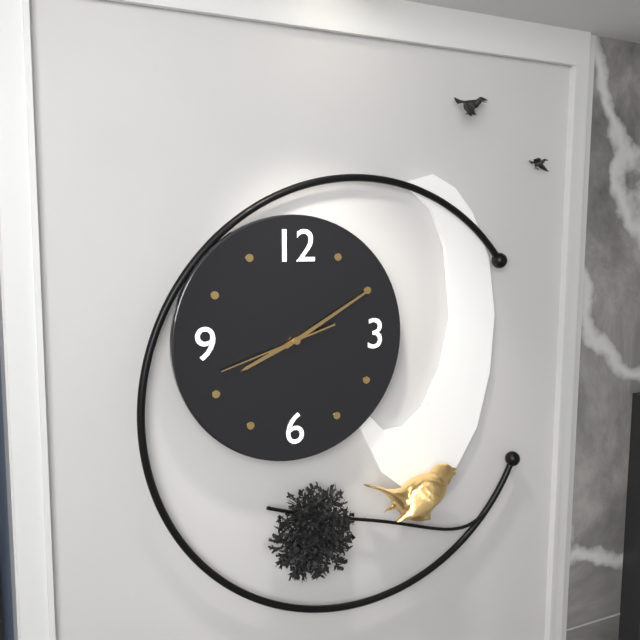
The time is 8 h 10 min 42 s
